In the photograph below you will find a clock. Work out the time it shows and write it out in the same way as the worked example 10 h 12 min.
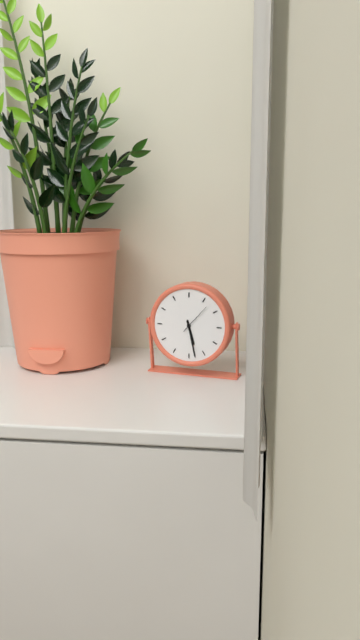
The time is 5 h 28 min
